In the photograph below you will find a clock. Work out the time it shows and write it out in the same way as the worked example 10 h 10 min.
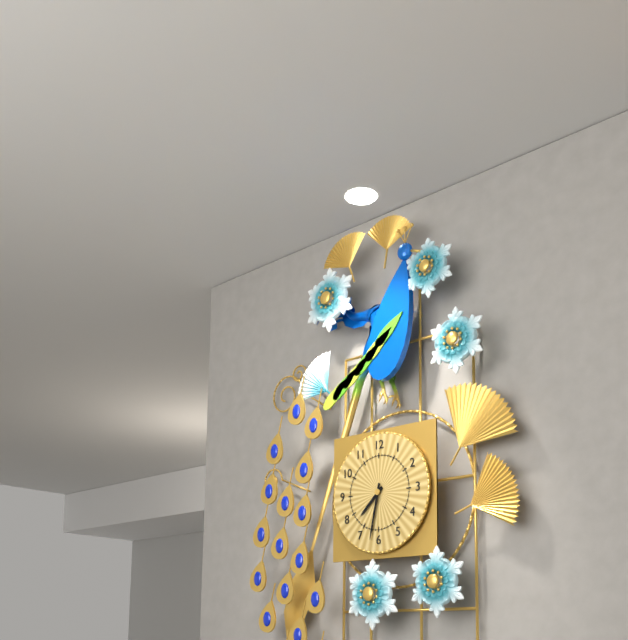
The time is 7 h 32 min
